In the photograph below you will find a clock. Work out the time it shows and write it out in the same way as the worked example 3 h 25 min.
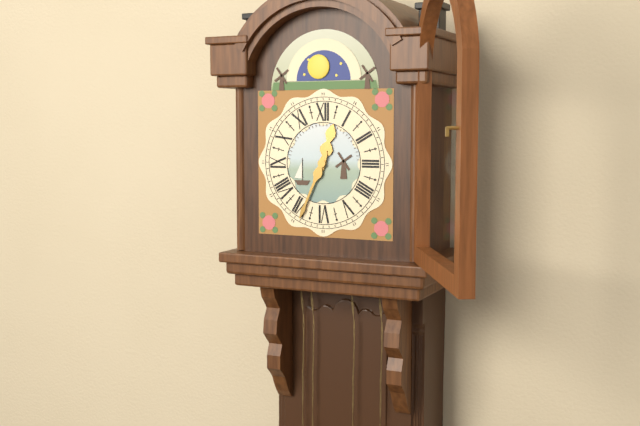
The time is 12 h 34 min
